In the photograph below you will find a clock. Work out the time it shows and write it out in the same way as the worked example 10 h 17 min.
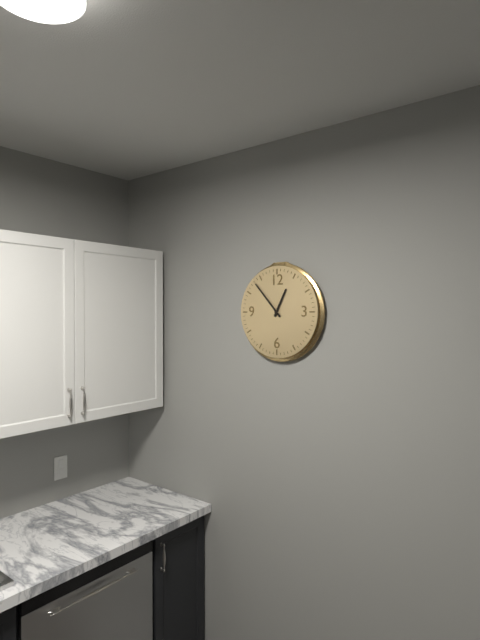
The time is 12 h 53 min
